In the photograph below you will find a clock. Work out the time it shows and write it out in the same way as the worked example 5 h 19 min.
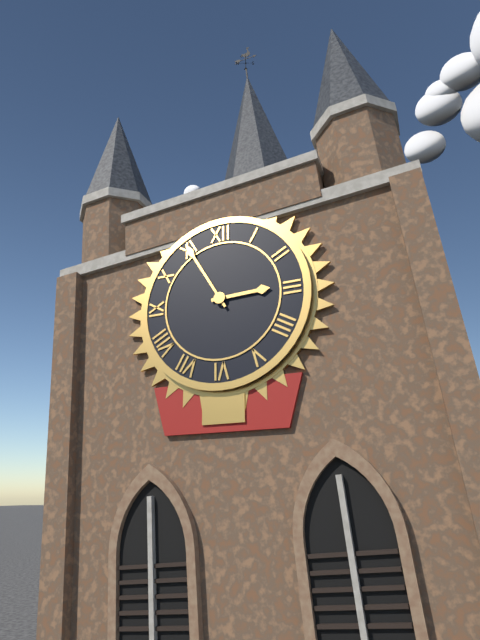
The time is 2 h 55 min
